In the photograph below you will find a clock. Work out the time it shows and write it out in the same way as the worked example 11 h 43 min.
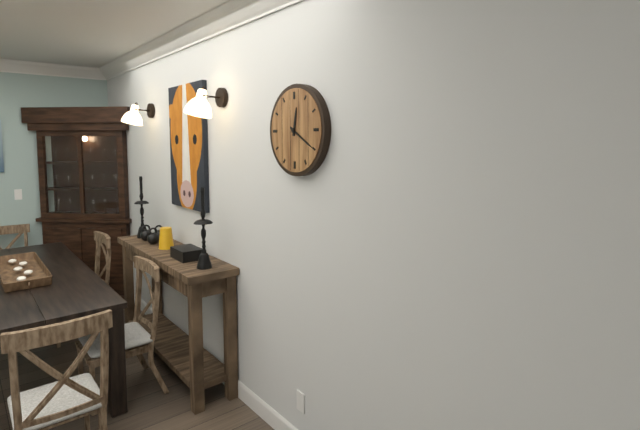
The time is 12 h 20 min
